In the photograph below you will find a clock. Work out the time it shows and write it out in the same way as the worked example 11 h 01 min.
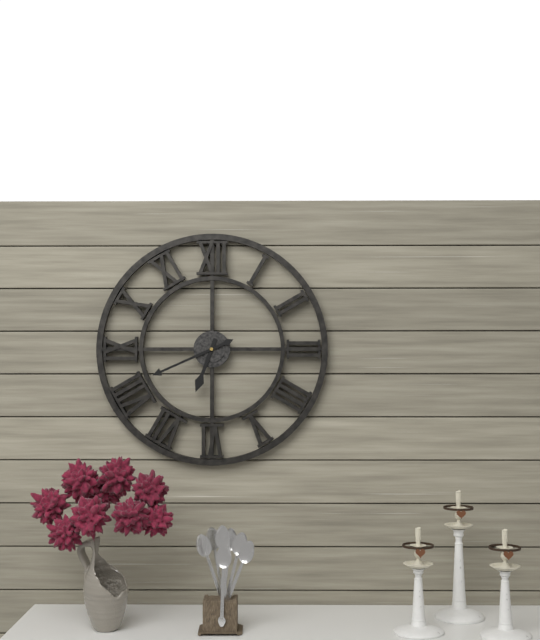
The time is 6 h 41 min
